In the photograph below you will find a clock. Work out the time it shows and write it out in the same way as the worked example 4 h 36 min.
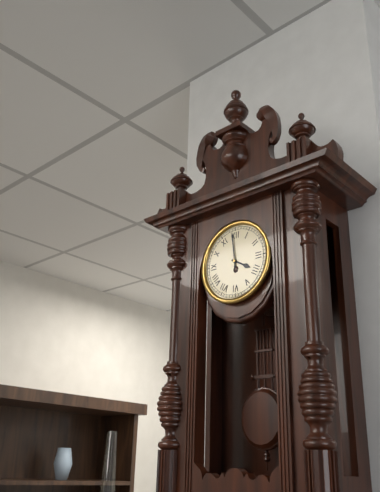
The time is 3 h 59 min
